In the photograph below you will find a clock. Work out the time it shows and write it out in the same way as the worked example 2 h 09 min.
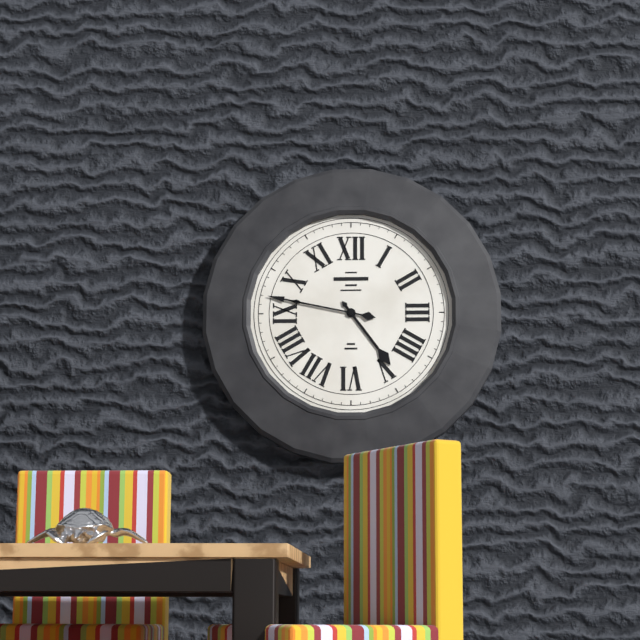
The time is 4 h 47 min
